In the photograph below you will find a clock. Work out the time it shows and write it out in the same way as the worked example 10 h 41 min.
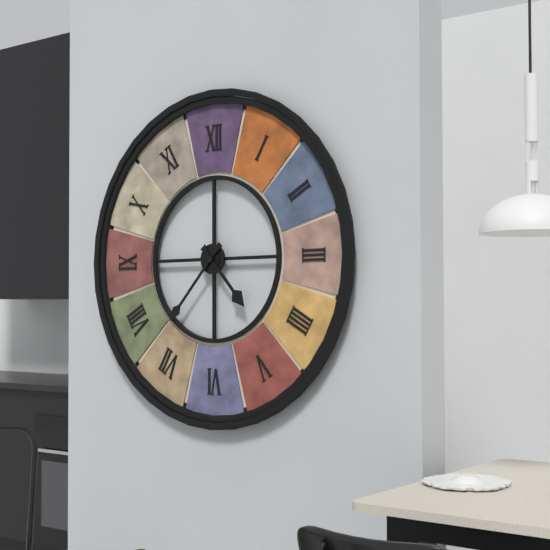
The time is 4 h 37 min
